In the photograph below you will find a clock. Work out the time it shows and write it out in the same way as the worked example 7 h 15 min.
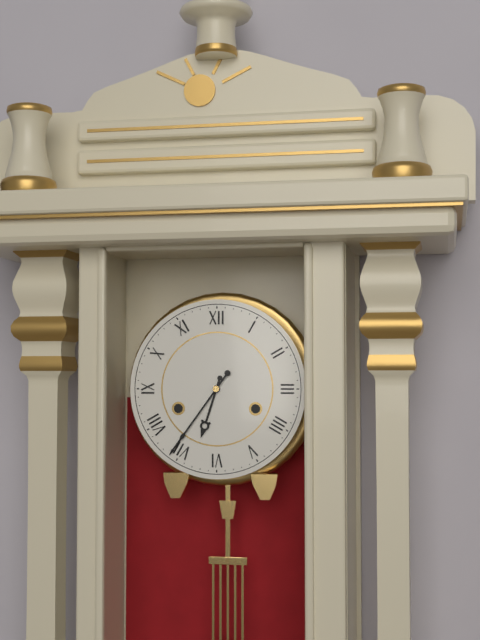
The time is 6 h 36 min
